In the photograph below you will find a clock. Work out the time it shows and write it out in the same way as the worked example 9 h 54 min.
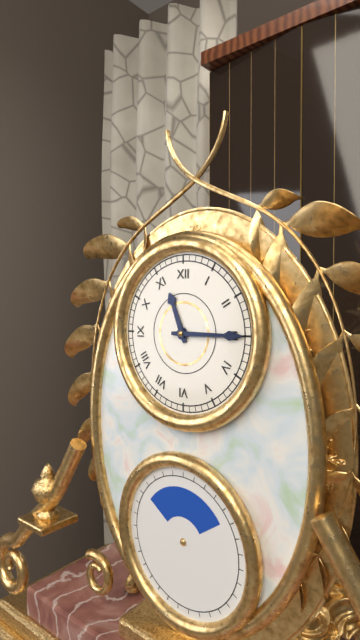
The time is 11 h 15 min
